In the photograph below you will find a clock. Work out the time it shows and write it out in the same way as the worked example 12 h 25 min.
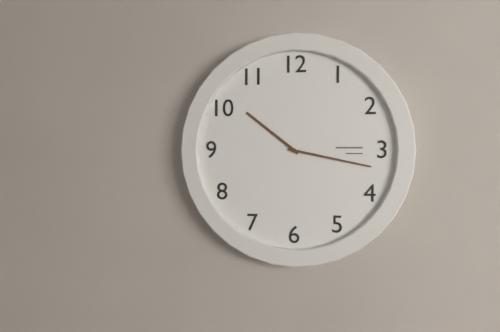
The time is 10 h 17 min
